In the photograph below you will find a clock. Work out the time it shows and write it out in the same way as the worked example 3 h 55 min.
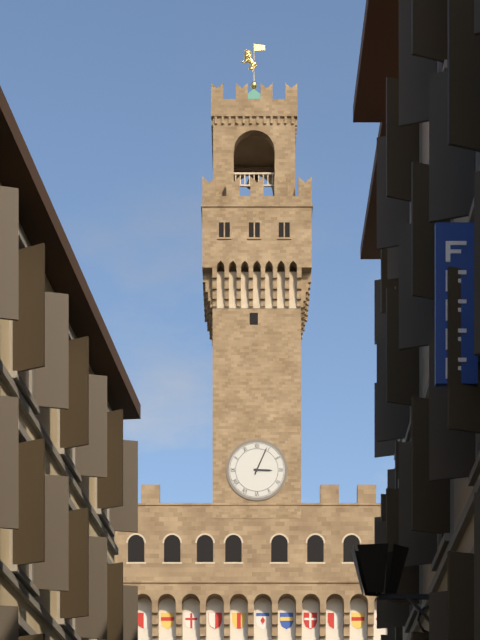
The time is 3 h 04 min
